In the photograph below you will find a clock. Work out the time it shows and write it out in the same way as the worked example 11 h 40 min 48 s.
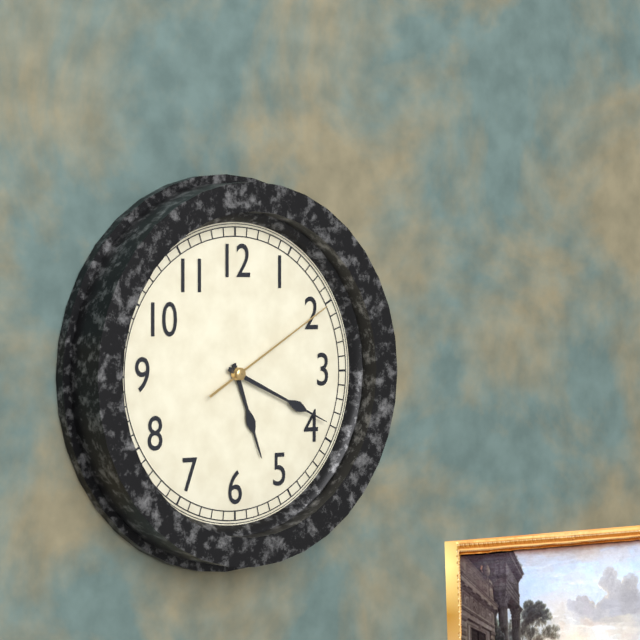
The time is 5 h 19 min 10 s
